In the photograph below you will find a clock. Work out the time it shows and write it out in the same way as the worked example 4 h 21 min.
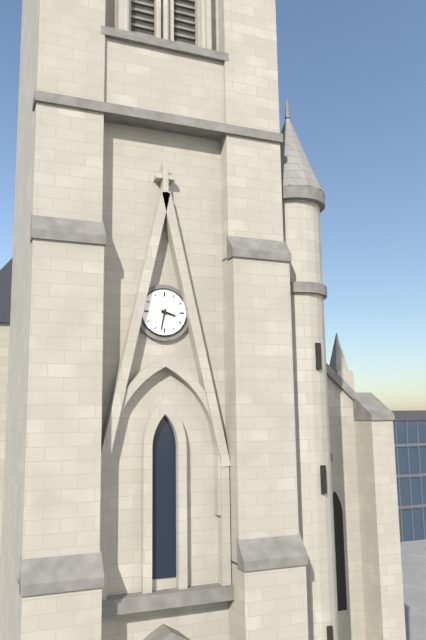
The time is 3 h 32 min
